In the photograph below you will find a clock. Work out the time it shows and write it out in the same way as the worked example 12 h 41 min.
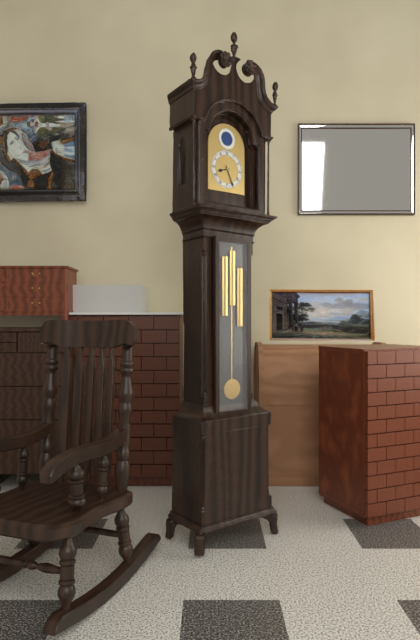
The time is 8 h 26 min
